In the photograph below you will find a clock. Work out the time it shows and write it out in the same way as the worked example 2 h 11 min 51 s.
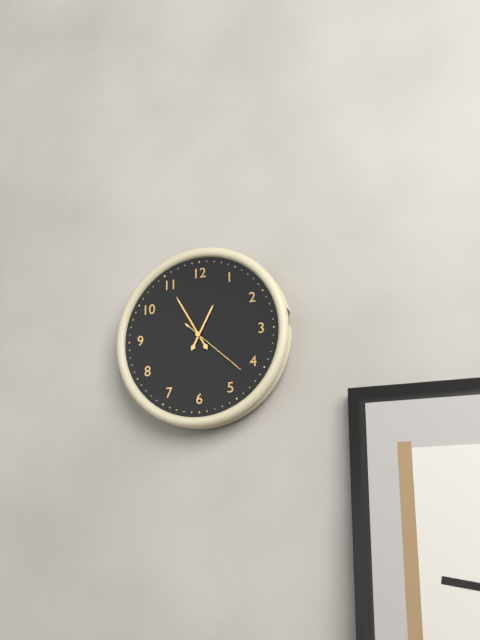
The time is 12 h 55 min 22 s
